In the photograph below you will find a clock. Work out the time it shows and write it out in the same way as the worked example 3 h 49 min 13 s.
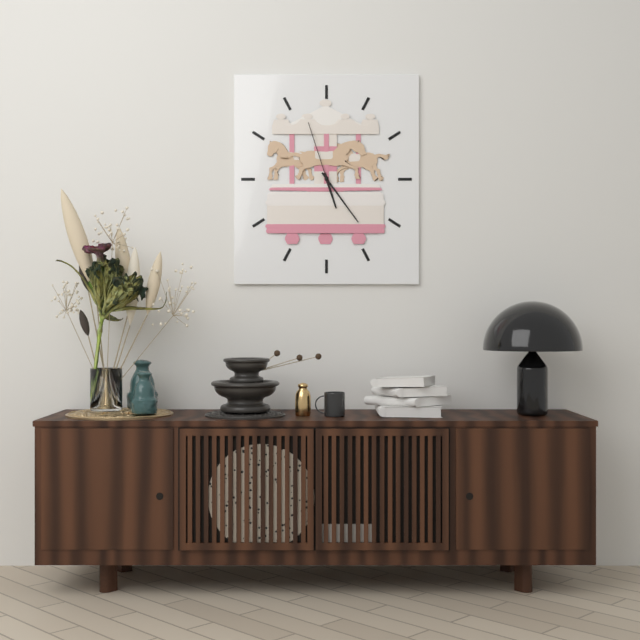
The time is 5 h 24 min 57 s
